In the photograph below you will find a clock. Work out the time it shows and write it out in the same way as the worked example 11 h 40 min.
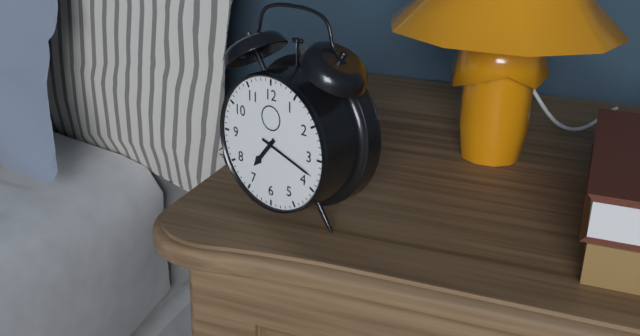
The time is 7 h 18 min
